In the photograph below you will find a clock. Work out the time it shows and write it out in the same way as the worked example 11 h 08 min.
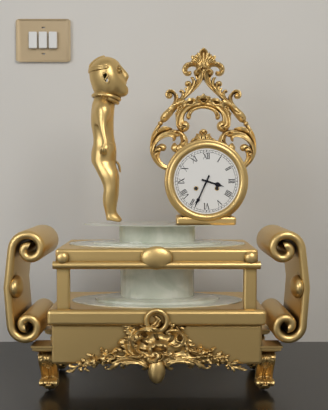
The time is 3 h 34 min
